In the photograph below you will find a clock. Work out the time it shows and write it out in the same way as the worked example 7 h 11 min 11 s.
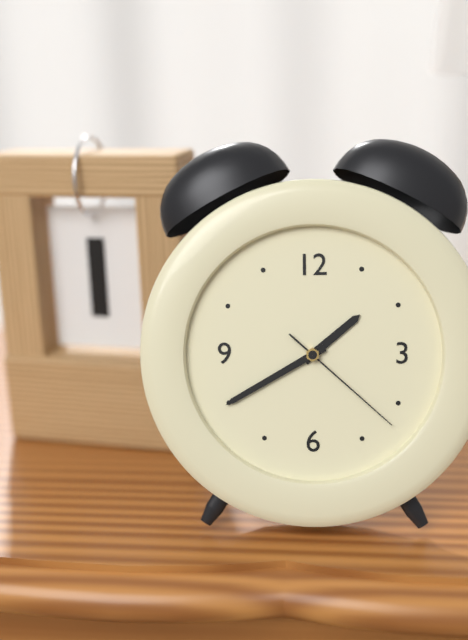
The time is 1 h 40 min 22 s
